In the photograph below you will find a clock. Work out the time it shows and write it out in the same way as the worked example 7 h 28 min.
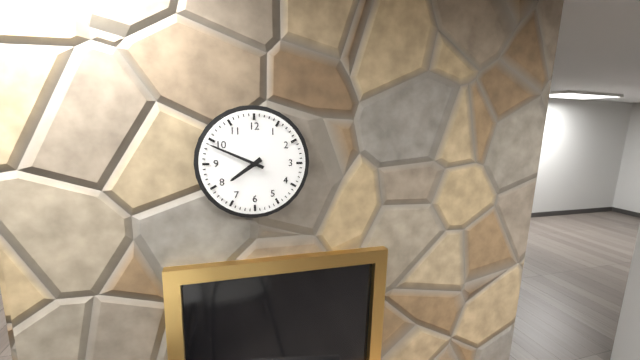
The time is 7 h 49 min
